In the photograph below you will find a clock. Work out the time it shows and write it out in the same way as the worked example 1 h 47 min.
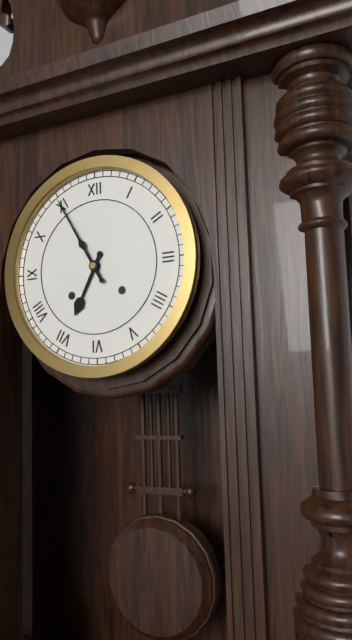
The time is 6 h 55 min
